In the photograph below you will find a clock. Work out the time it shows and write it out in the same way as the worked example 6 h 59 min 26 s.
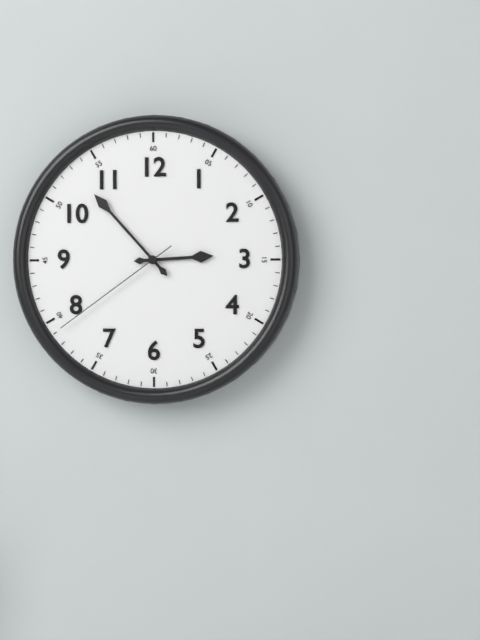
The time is 2 h 53 min 39 s
